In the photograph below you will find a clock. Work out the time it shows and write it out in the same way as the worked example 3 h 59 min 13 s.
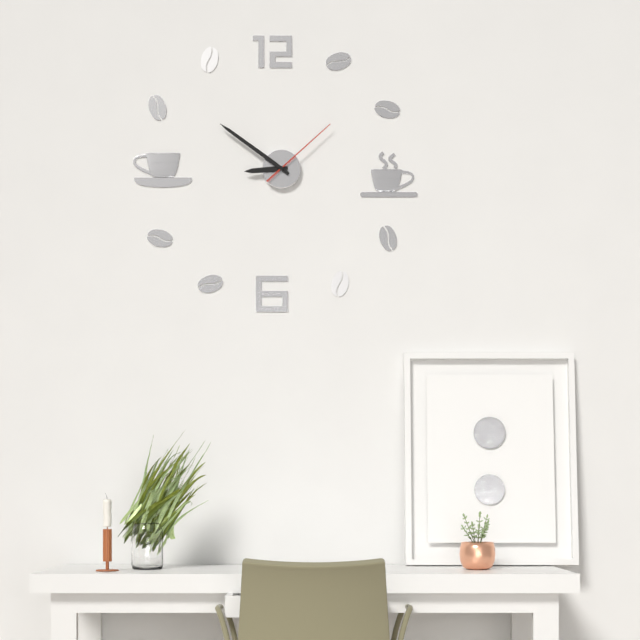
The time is 8 h 51 min 08 s
